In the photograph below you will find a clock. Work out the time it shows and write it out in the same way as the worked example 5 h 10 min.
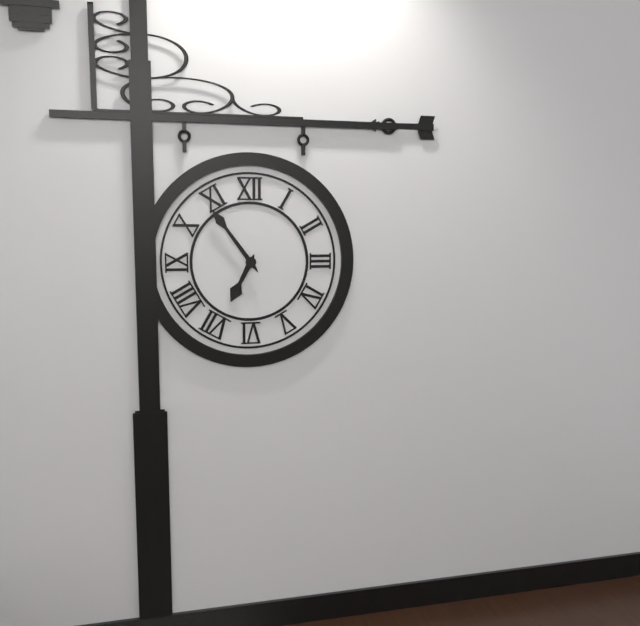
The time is 6 h 54 min
